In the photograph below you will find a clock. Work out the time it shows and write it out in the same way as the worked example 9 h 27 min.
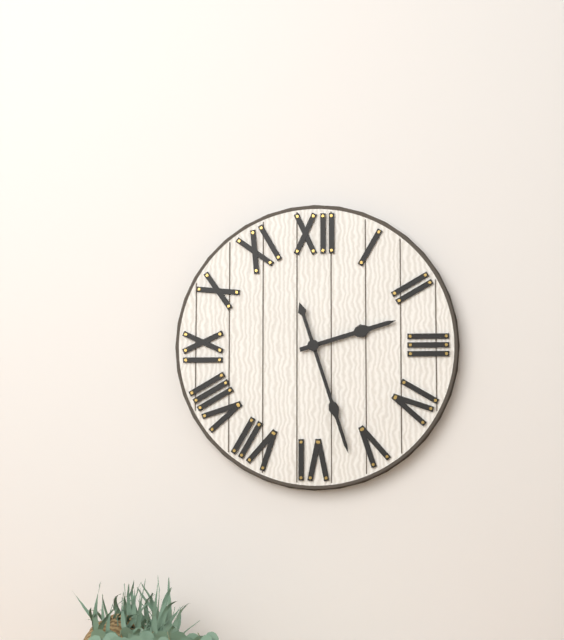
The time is 2 h 27 min
